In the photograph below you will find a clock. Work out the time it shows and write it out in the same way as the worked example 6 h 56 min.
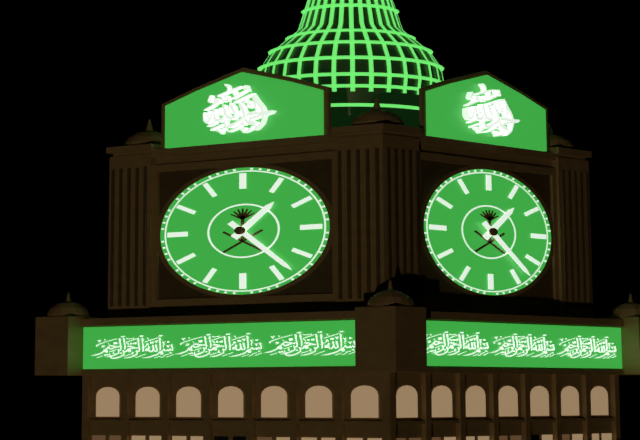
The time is 1 h 23 min
